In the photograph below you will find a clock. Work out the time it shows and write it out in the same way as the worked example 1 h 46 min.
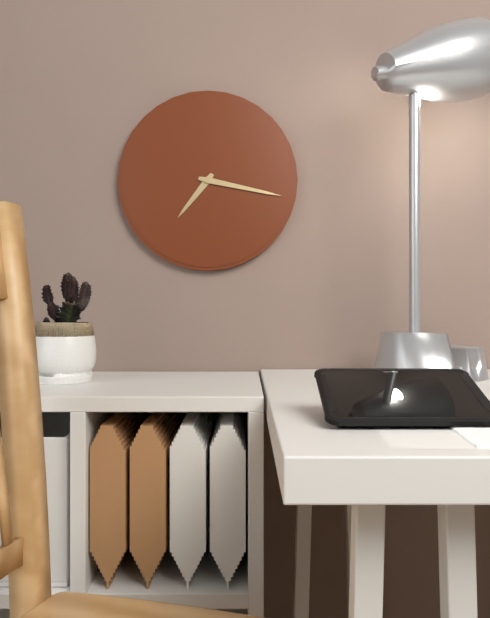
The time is 7 h 17 min
